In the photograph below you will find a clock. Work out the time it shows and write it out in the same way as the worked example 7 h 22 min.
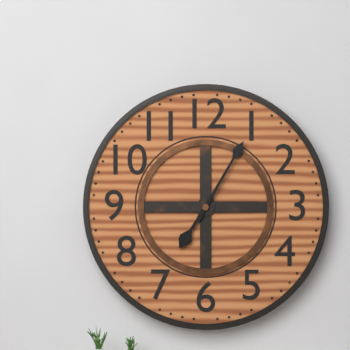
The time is 7 h 05 min
